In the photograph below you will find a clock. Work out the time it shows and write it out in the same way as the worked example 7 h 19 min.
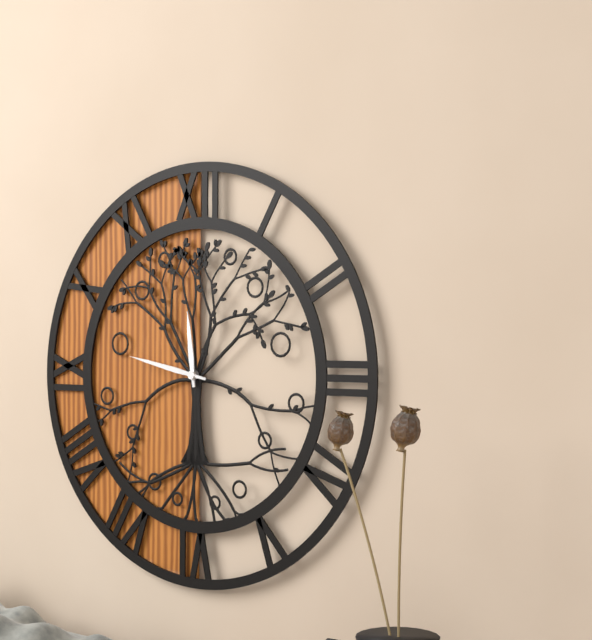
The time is 11 h 47 min
